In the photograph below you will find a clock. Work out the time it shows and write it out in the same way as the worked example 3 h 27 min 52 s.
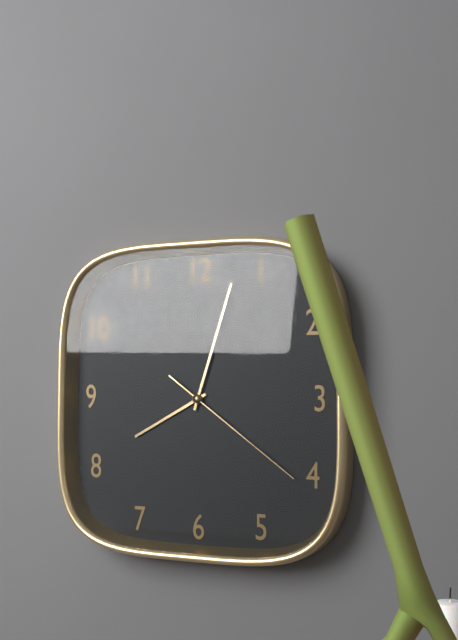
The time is 8 h 03 min 21 s
